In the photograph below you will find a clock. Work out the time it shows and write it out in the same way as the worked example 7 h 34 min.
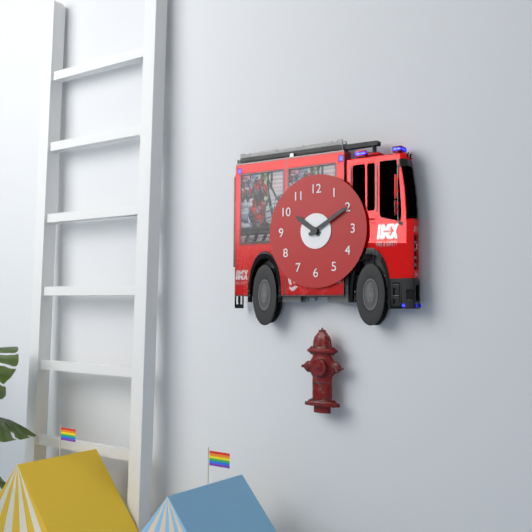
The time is 10 h 10 min
